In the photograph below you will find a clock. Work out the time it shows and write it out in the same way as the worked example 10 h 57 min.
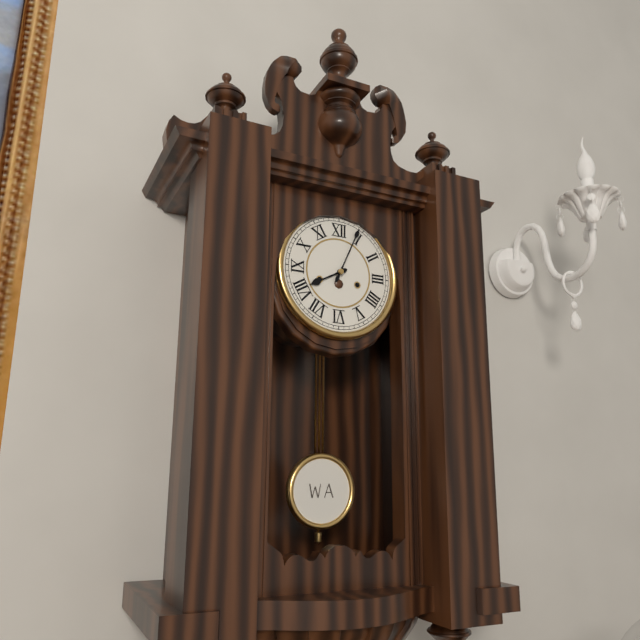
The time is 8 h 04 min
